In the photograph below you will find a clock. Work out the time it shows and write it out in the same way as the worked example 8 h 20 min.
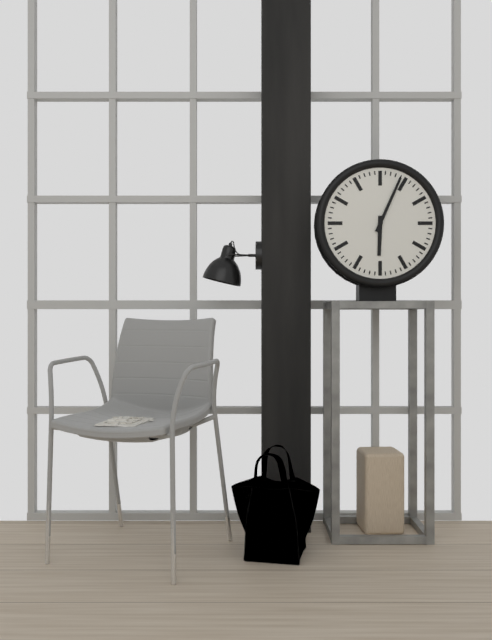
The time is 6 h 04 min
